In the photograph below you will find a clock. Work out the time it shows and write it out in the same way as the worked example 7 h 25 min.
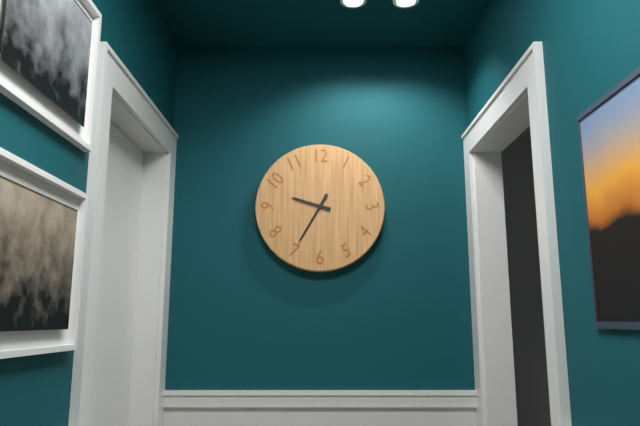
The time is 9 h 35 min
